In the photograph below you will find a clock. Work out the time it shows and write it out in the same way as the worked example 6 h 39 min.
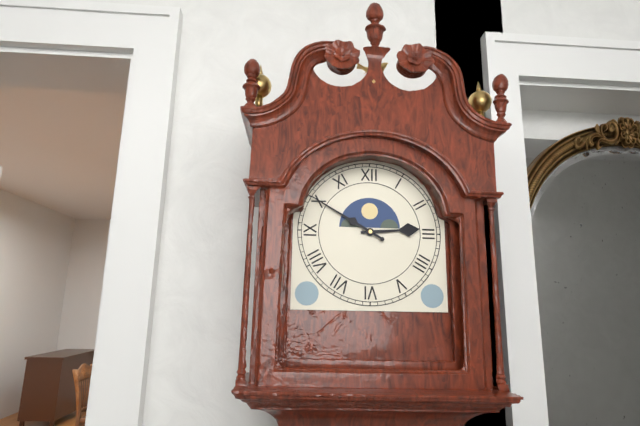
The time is 2 h 50 min
